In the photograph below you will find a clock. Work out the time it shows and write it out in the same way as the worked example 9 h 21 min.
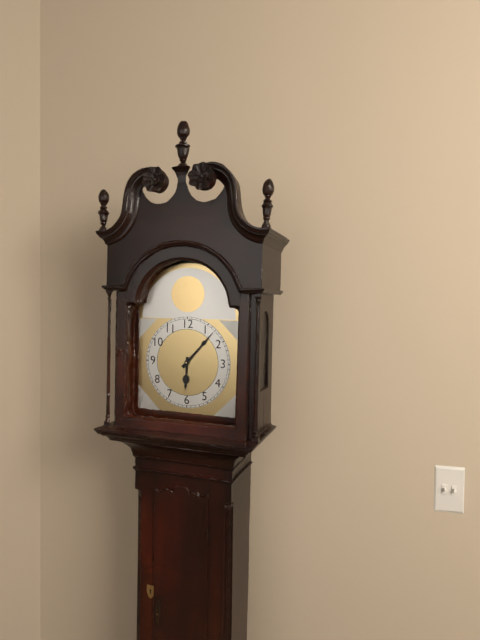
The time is 6 h 07 min
